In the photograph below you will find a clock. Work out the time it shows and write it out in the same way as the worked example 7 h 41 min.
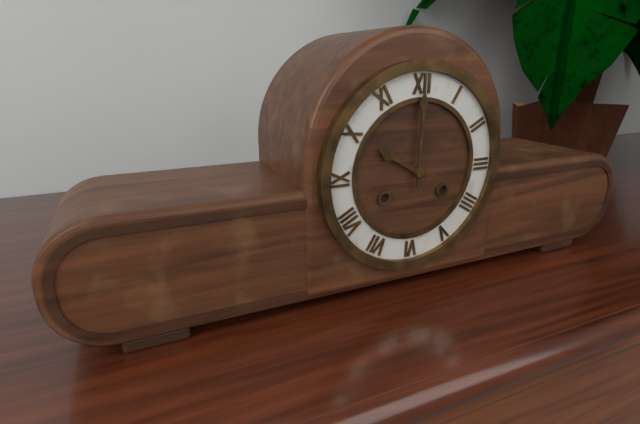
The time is 10 h 00 min
